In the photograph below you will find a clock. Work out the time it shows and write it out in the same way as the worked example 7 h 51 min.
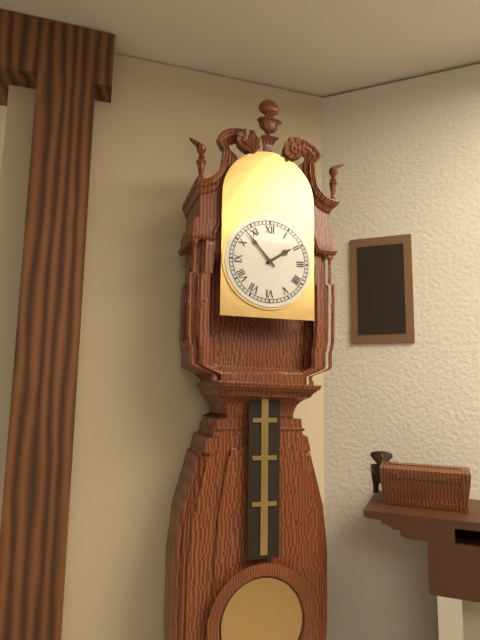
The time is 1 h 53 min
